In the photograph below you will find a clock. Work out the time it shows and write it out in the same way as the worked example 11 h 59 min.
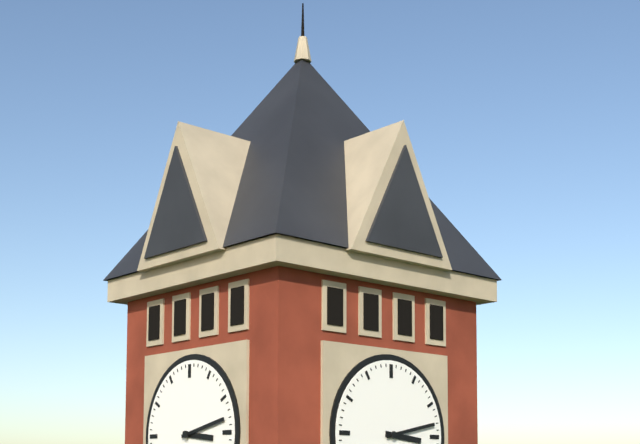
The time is 3 h 13 min
